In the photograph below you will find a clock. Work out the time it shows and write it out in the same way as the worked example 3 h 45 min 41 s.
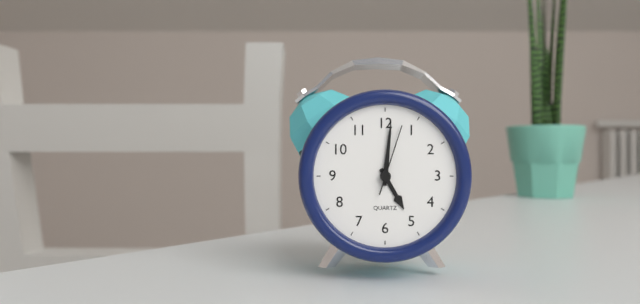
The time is 5 h 01 min 03 s
